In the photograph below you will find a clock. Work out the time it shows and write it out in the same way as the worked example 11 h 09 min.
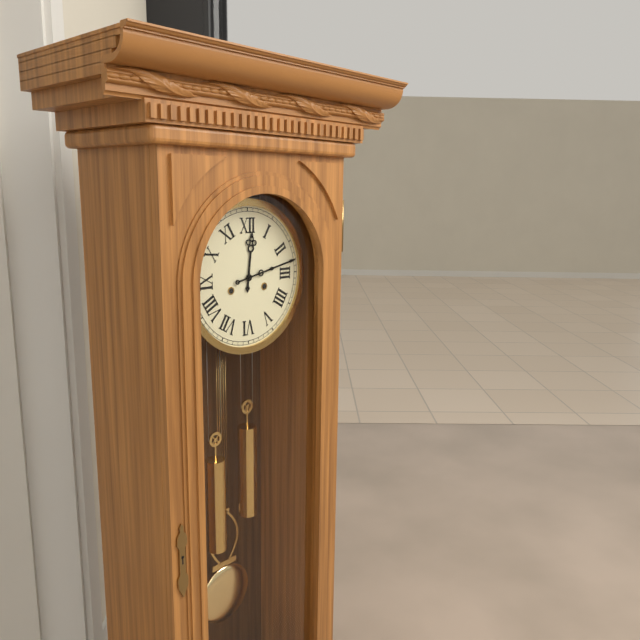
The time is 12 h 13 min
